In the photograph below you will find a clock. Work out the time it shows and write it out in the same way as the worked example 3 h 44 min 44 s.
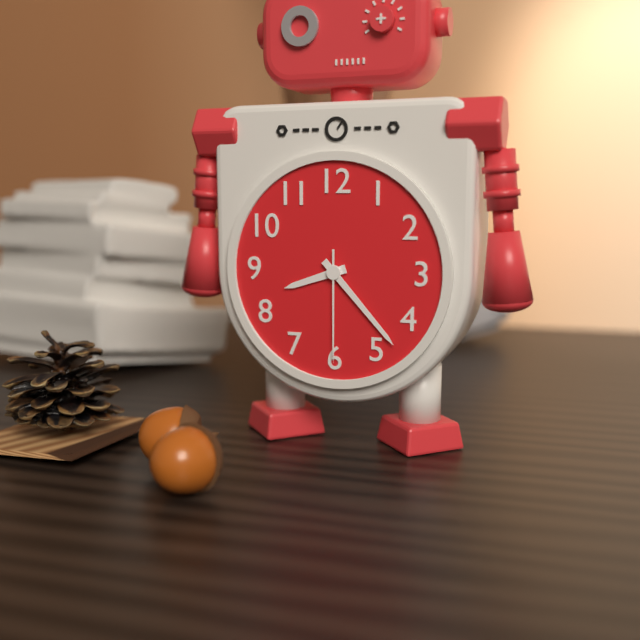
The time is 8 h 23 min 30 s
